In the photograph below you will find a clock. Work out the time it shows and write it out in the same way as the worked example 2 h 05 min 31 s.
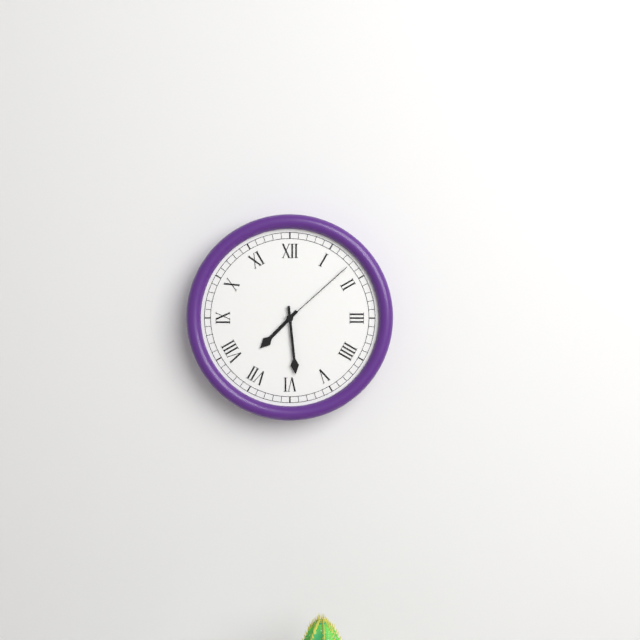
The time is 7 h 29 min 08 s
